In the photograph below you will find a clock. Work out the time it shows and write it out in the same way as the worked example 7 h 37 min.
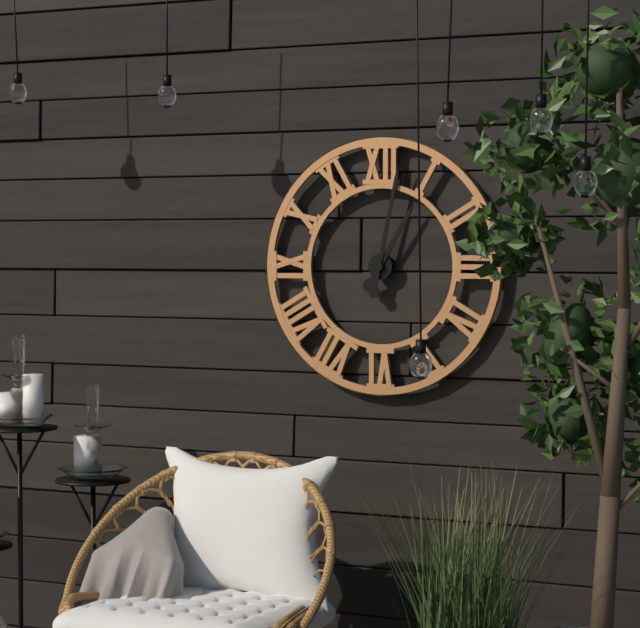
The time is 1 h 02 min
